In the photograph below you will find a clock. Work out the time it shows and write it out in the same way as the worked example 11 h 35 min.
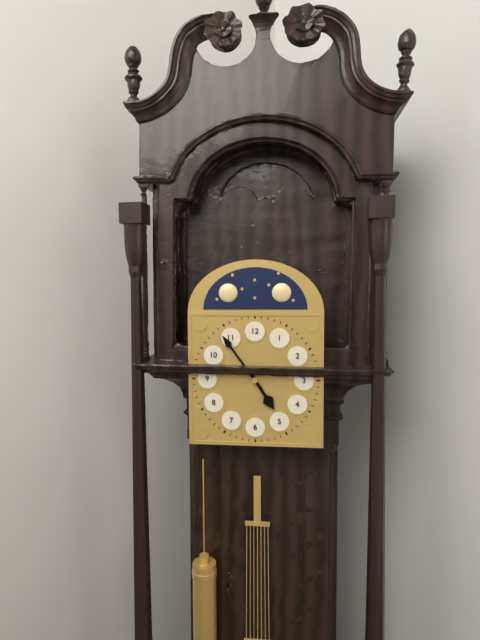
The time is 4 h 54 min
